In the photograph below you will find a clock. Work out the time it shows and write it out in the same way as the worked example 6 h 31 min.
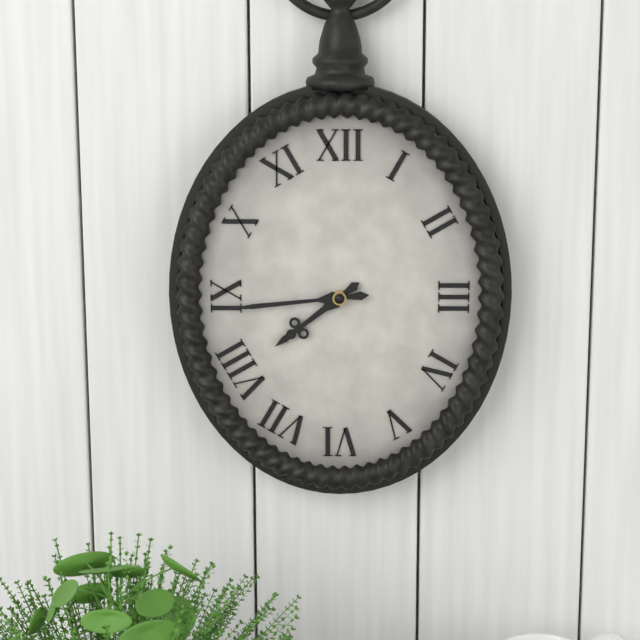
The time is 7 h 44 min
